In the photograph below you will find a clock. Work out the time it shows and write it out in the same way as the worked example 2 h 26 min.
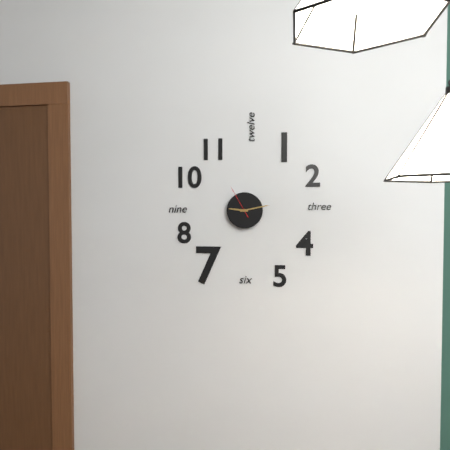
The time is 9 h 13 min
